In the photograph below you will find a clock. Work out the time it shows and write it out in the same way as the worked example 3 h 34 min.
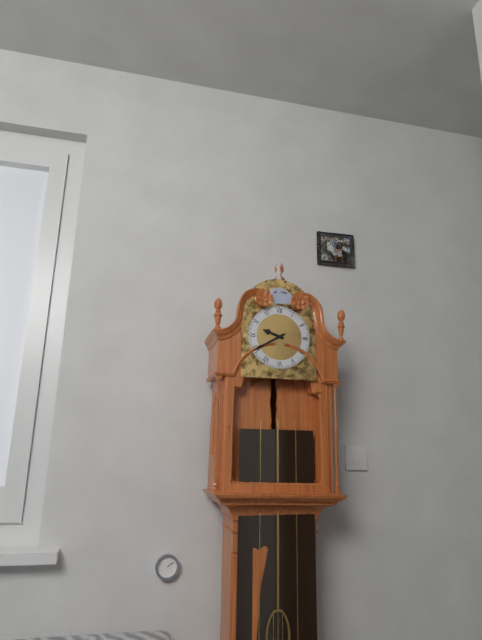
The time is 9 h 40 min
